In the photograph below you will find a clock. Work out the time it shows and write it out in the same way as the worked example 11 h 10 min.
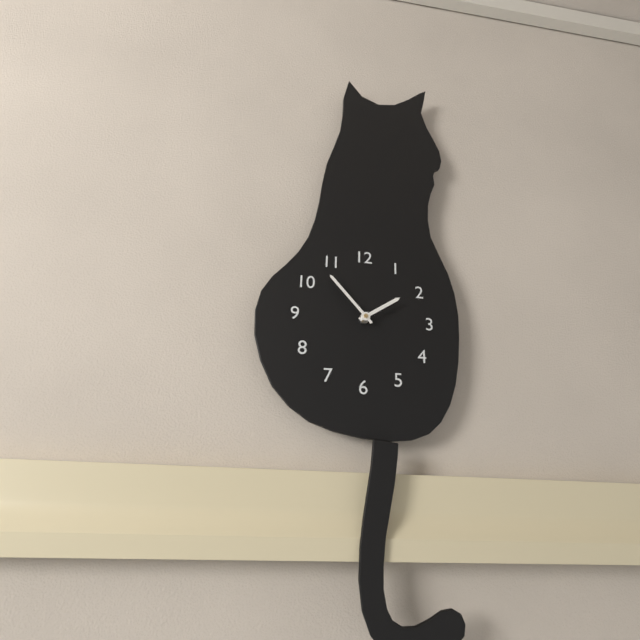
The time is 1 h 53 min
